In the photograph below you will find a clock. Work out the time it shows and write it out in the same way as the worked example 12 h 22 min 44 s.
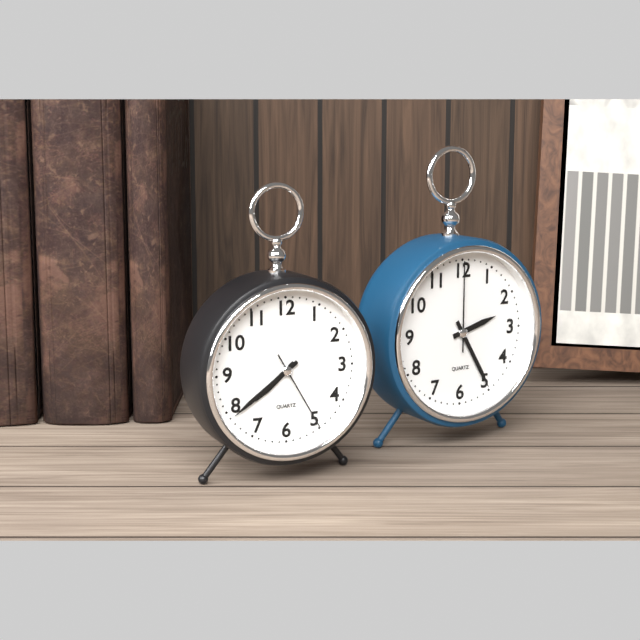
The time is 7 h 39 min 25 s
